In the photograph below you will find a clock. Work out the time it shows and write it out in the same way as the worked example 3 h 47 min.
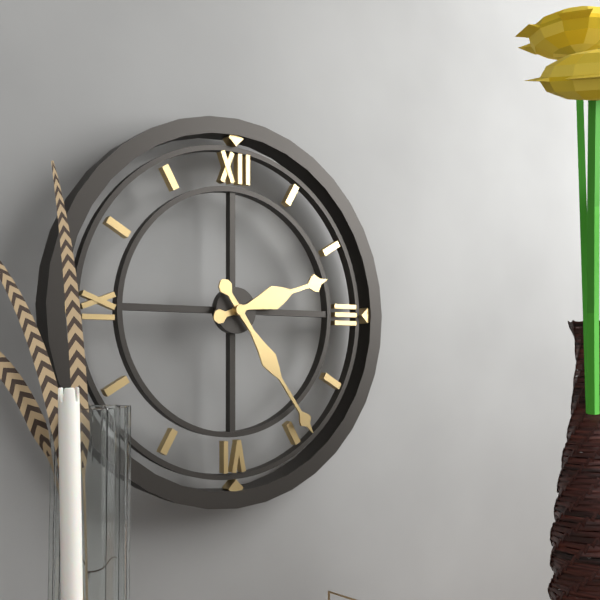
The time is 2 h 24 min
